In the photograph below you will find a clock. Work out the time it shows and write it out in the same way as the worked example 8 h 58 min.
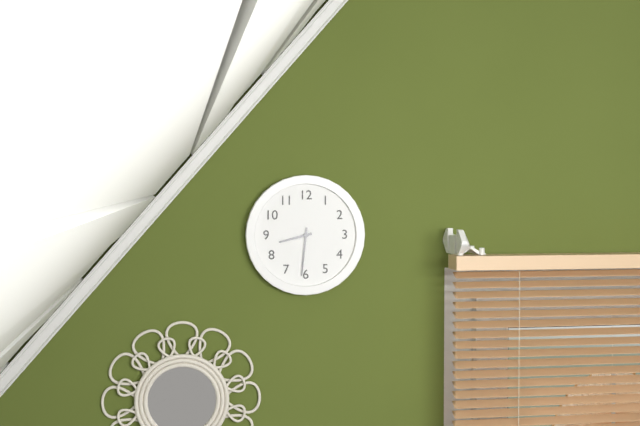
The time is 8 h 31 min
